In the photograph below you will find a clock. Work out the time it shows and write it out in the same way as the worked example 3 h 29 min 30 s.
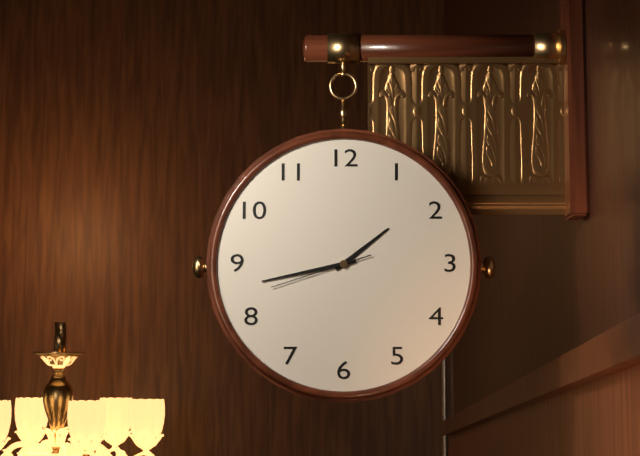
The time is 1 h 43 min 42 s
